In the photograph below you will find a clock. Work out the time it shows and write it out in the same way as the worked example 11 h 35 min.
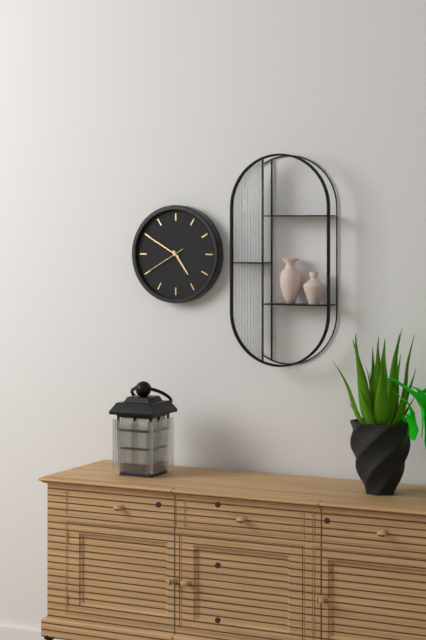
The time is 4 h 50 min
